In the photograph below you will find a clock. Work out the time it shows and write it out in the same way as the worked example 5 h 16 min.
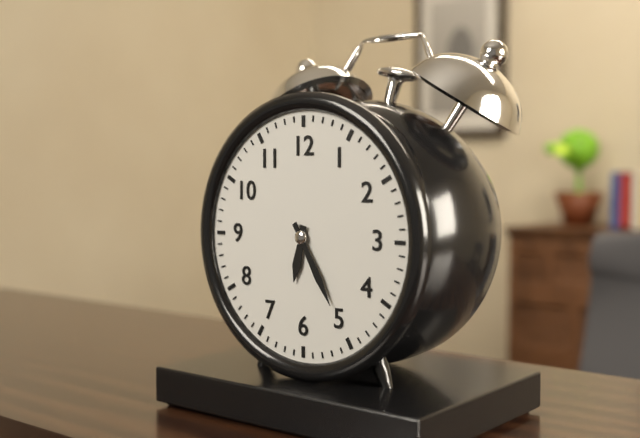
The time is 6 h 25 min
